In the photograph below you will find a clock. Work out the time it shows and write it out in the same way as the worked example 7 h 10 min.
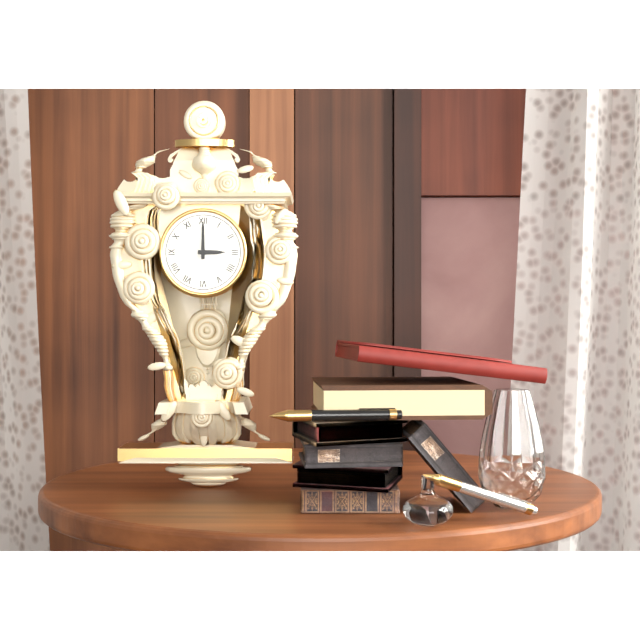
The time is 3 h 00 min
